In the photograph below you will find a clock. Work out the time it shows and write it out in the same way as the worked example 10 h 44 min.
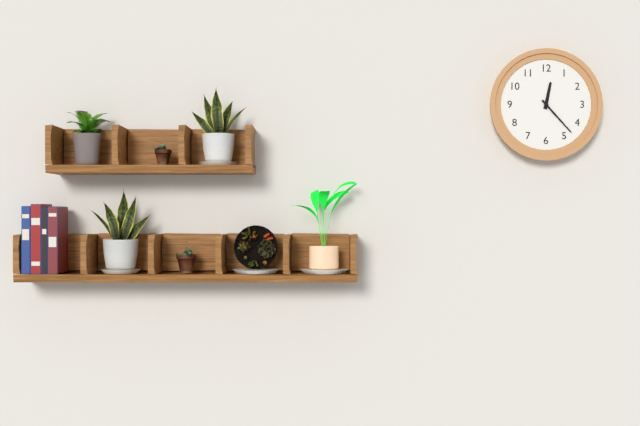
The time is 12 h 23 min
